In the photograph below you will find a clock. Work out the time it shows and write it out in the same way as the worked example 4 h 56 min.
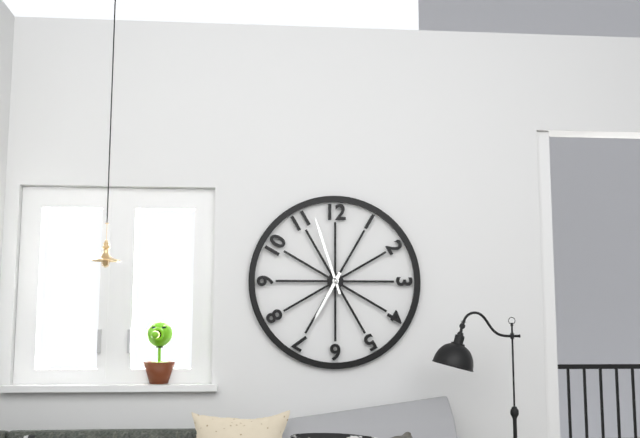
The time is 6 h 57 min
